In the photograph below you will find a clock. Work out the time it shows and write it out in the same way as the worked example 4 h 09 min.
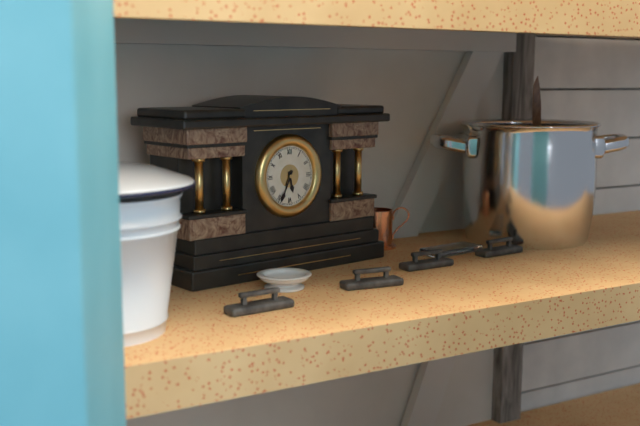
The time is 5 h 34 min
